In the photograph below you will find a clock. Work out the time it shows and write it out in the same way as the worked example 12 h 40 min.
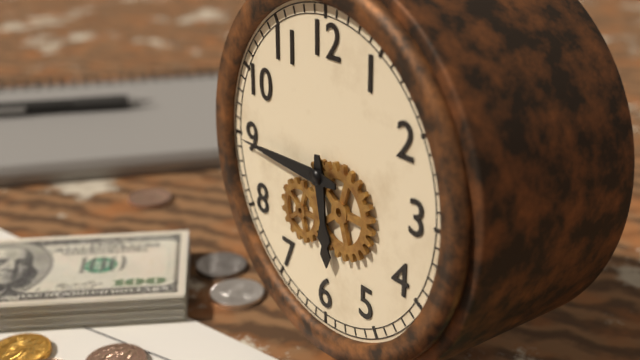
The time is 5 h 45 min
